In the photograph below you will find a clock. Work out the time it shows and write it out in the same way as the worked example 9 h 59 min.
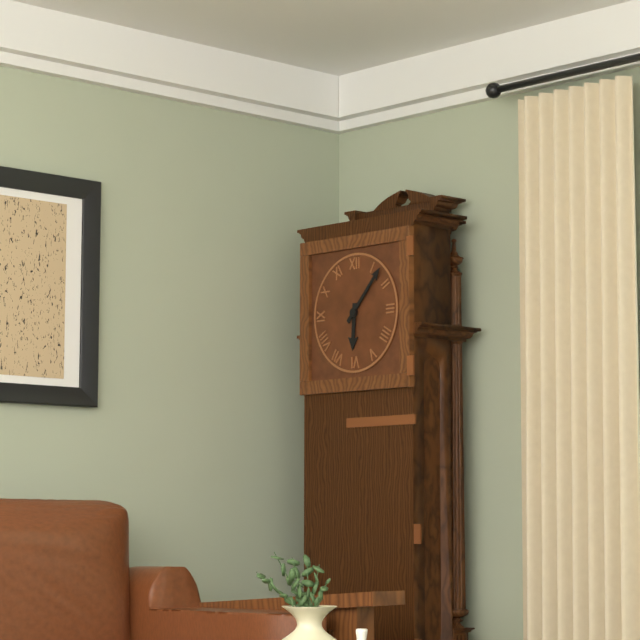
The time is 6 h 07 min
